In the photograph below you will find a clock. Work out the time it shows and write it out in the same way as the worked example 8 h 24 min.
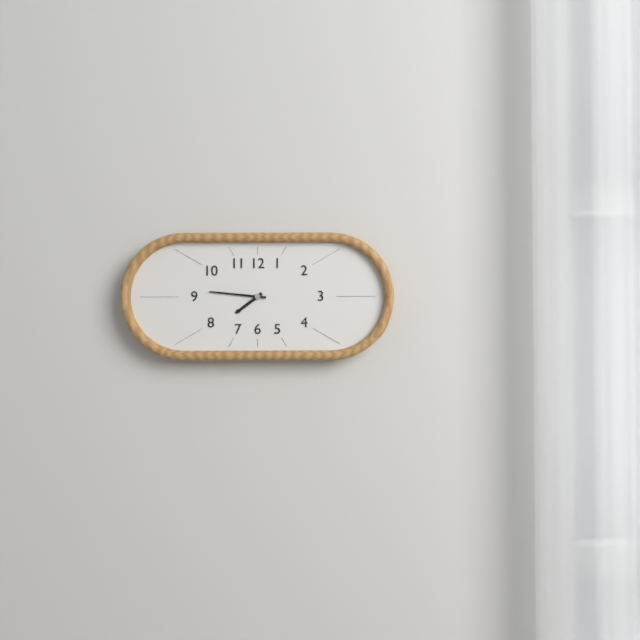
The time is 7 h 46 min
